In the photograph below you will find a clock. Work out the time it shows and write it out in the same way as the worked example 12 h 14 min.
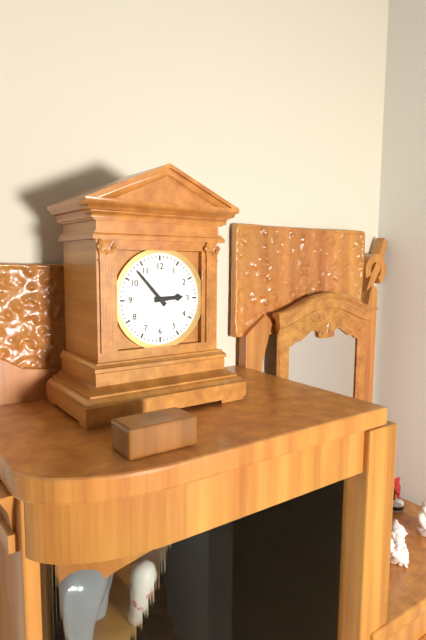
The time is 2 h 53 min
